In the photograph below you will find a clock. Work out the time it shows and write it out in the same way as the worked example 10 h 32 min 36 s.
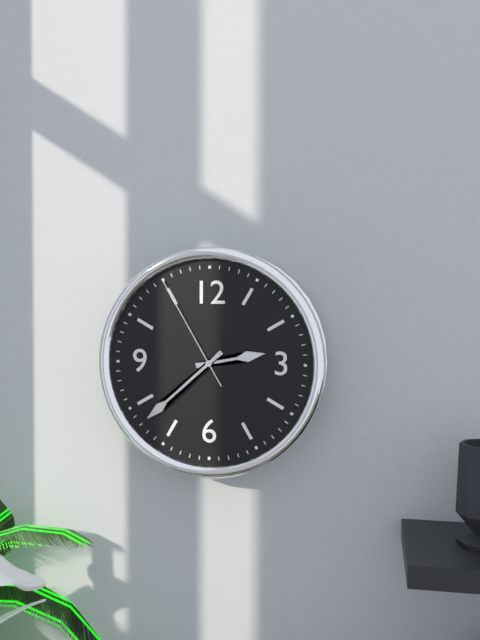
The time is 2 h 38 min 55 s
